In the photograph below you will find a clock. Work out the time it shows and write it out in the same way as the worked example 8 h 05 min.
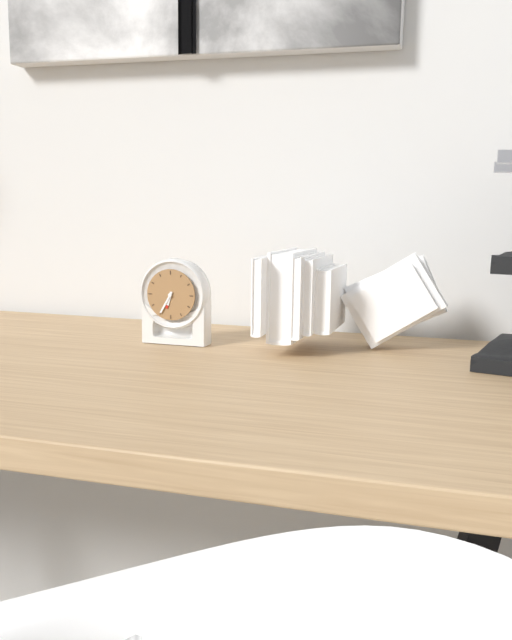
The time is 6 h 35 min
